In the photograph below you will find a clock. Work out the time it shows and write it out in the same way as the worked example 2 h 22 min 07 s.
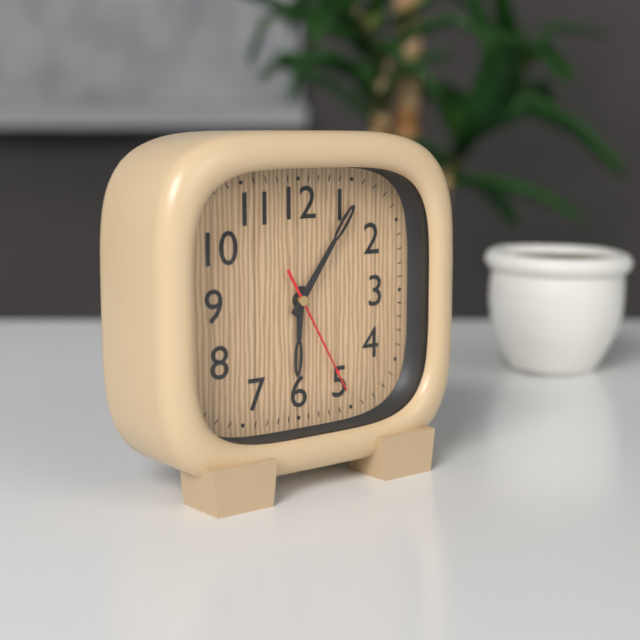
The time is 6 h 06 min 25 s
